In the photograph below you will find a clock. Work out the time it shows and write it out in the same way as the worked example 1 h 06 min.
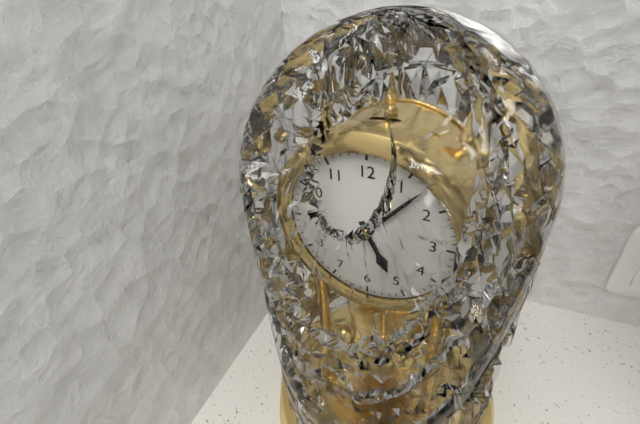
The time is 5 h 07 min
